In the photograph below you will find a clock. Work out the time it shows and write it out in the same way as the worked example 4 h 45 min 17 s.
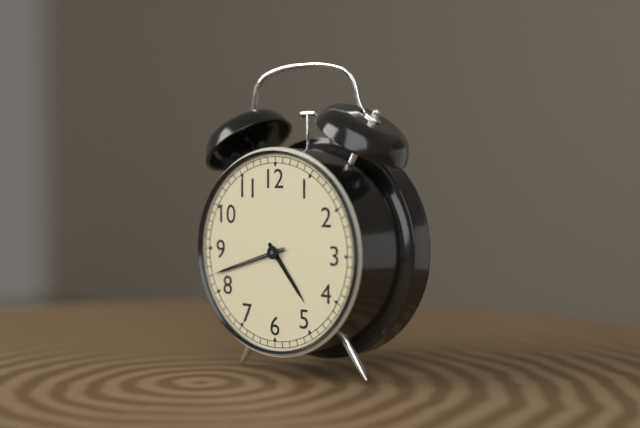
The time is 4 h 42 min 42 s
